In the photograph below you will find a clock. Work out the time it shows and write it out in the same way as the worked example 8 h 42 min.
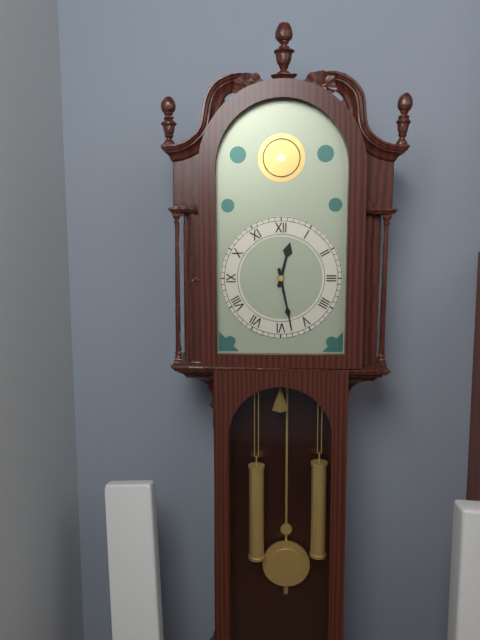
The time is 12 h 28 min
